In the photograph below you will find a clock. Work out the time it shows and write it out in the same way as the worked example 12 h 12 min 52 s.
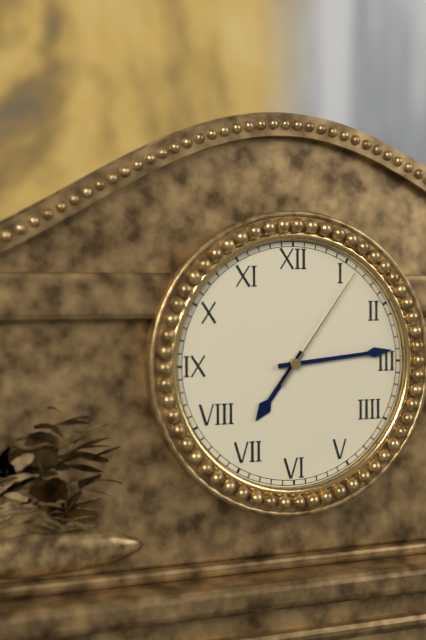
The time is 7 h 14 min 06 s
